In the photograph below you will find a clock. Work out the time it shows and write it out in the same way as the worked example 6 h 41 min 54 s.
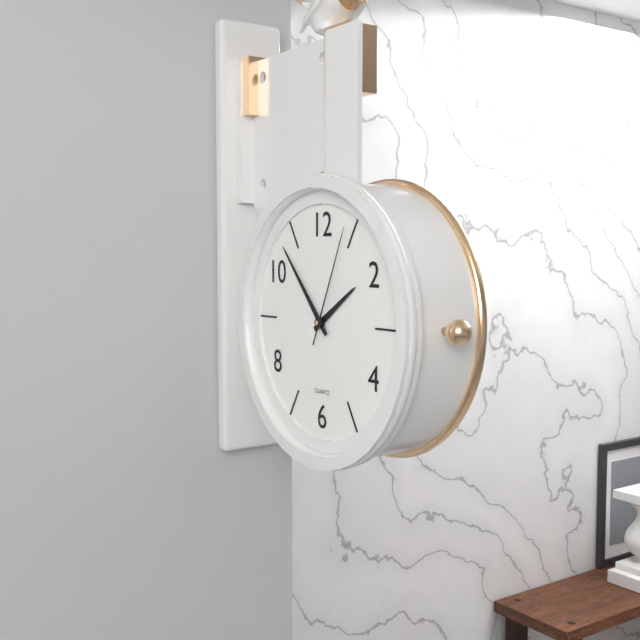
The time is 1 h 53 min 04 s
